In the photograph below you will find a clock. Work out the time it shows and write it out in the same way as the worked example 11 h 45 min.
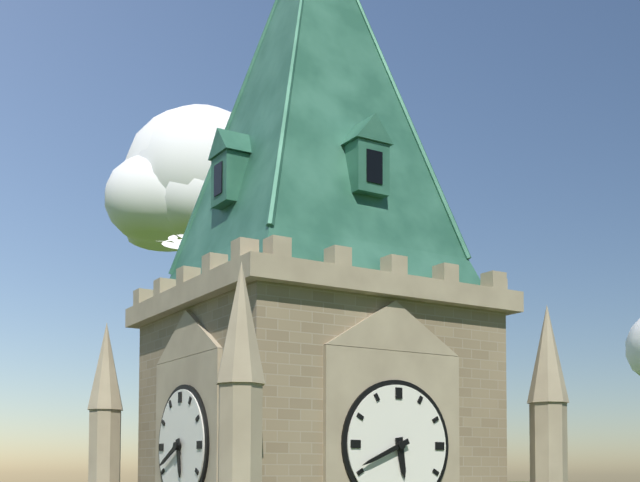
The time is 5 h 41 min
